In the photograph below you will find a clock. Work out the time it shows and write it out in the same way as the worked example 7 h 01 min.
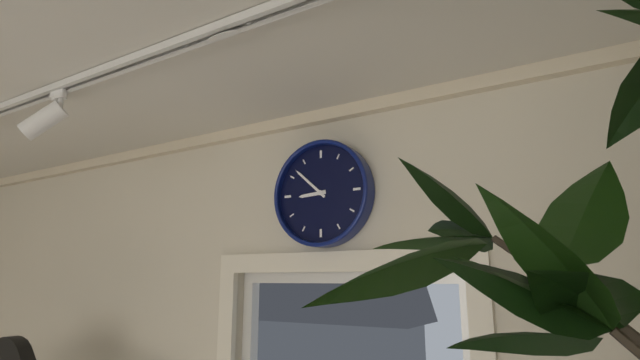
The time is 8 h 52 min
